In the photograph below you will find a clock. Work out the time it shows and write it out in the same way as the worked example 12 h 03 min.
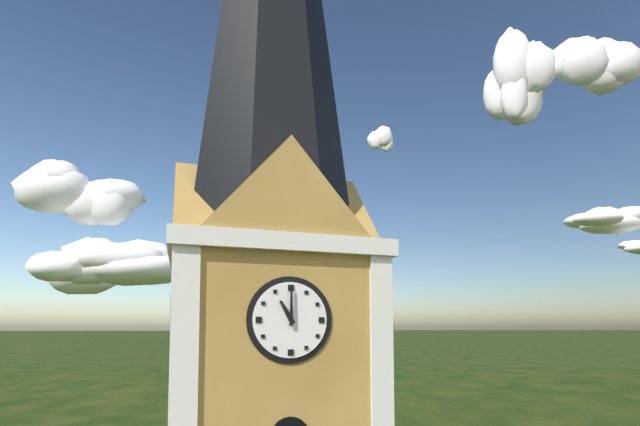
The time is 11 h 00 min
